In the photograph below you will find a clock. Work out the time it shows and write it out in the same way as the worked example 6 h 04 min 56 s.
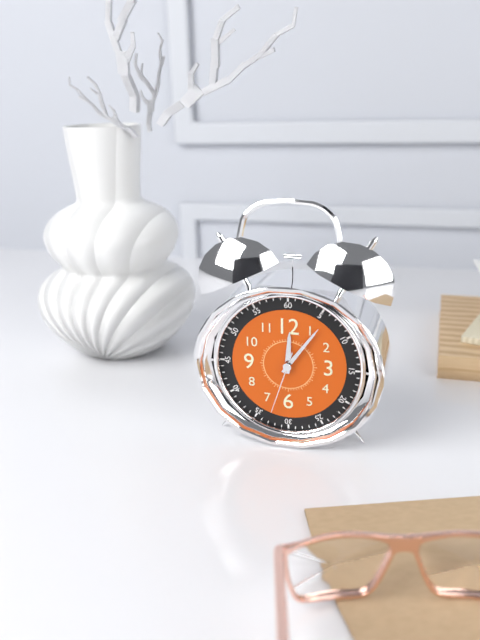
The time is 12 h 06 min 33 s
